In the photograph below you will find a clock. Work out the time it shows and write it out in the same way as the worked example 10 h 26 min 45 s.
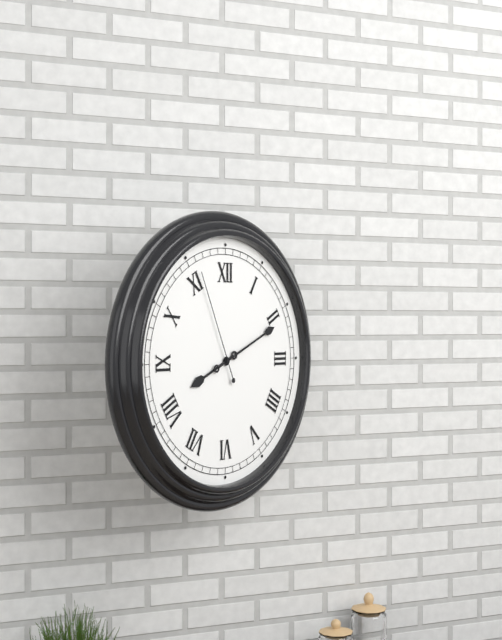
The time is 8 h 11 min 56 s
